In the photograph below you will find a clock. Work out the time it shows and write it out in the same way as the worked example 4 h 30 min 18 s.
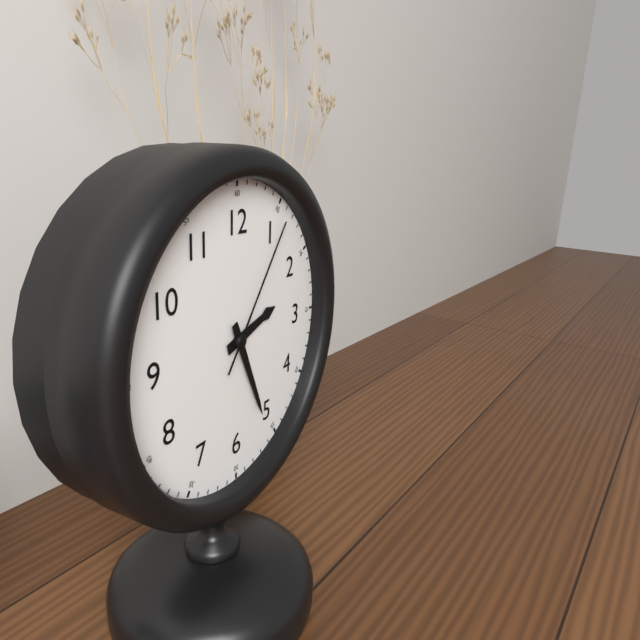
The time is 2 h 26 min 06 s
